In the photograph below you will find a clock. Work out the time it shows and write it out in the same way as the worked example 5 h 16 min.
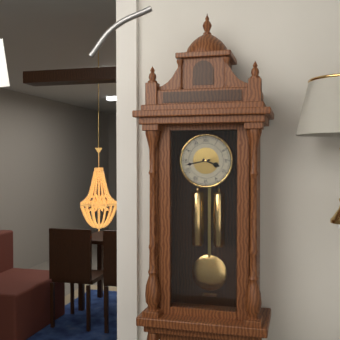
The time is 3 h 43 min
